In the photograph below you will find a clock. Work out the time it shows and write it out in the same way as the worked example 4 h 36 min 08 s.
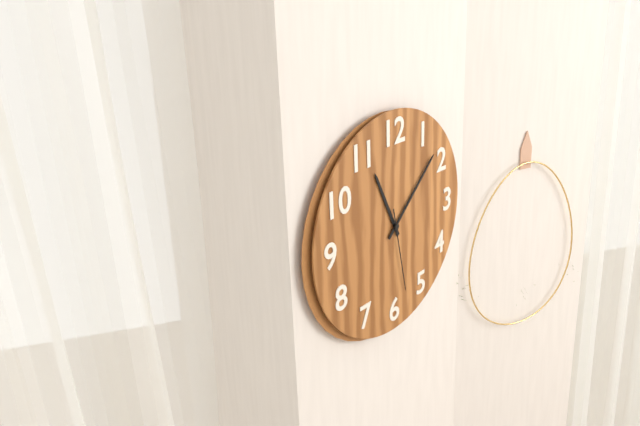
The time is 11 h 08 min 28 s
